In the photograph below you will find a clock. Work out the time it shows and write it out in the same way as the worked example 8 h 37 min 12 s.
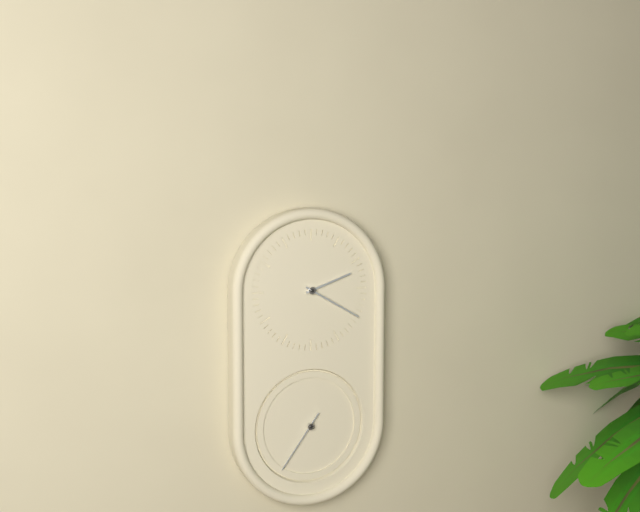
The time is 2 h 20 min 36 s
